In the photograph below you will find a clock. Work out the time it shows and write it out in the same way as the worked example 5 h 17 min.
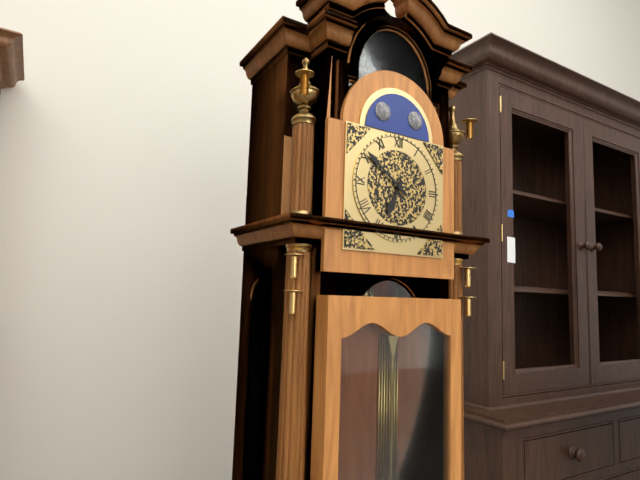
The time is 6 h 51 min
